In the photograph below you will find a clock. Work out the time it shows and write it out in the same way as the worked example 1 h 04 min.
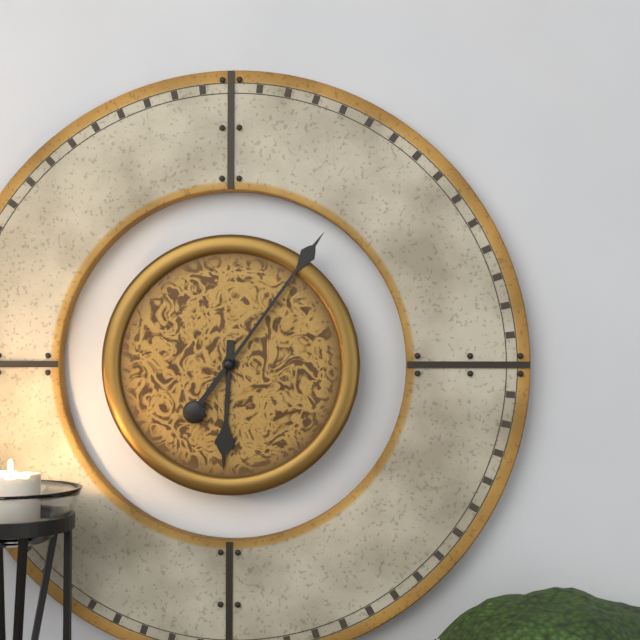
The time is 6 h 06 min
